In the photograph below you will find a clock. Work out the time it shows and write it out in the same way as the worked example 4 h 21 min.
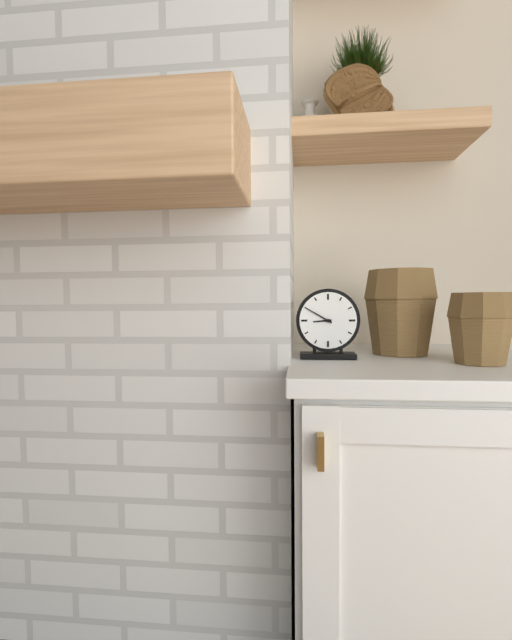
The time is 8 h 50 min
